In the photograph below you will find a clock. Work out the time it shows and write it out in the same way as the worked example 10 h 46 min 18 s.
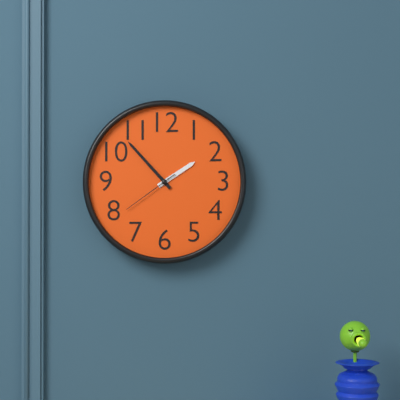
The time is 1 h 53 min 39 s
